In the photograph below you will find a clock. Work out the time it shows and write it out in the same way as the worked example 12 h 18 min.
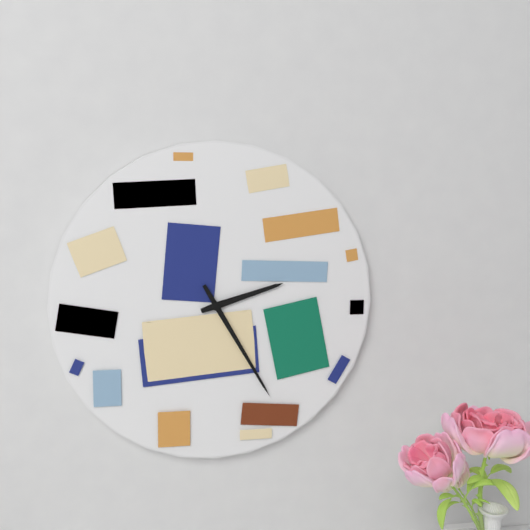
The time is 2 h 25 min
